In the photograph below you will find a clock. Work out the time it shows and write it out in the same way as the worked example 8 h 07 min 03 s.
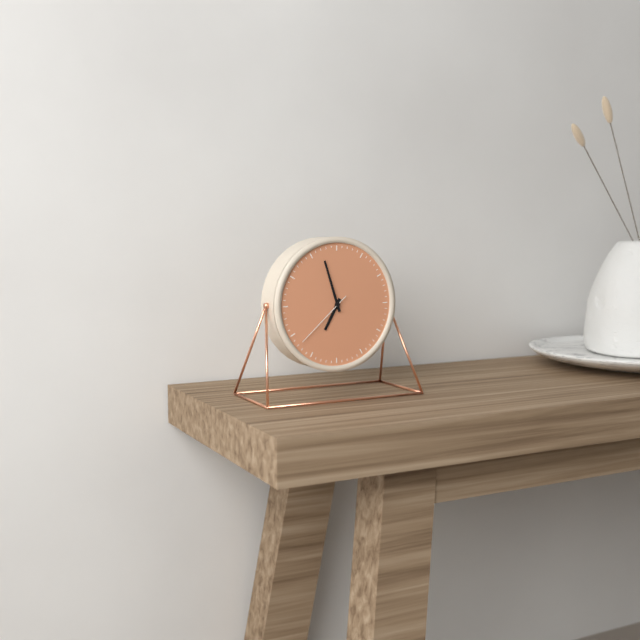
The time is 6 h 57 min 38 s
